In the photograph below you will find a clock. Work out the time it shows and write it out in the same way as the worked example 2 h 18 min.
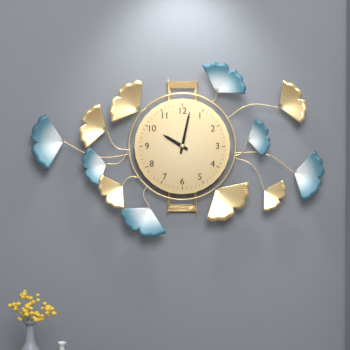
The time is 10 h 02 min
